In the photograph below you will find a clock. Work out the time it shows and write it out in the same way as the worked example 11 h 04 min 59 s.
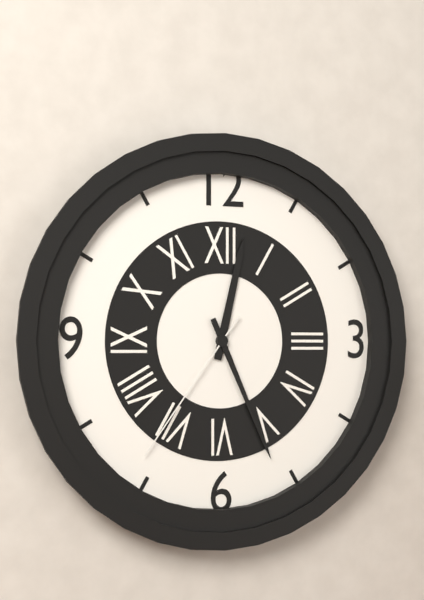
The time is 12 h 26 min 36 s
